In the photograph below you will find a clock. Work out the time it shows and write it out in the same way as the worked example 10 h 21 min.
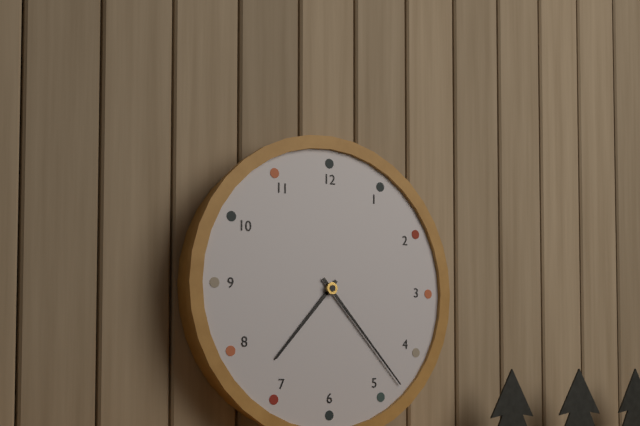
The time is 7 h 23 min
